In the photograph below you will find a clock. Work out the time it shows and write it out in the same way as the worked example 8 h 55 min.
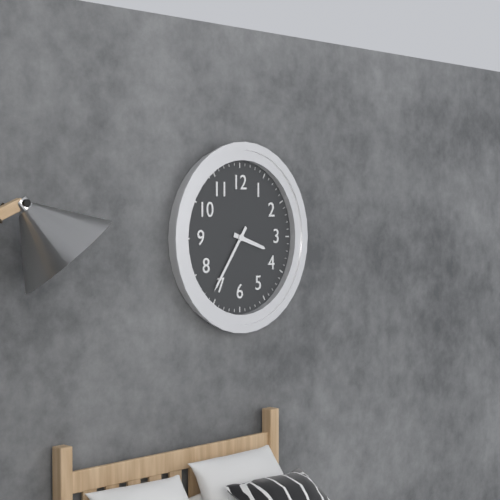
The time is 3 h 36 min
